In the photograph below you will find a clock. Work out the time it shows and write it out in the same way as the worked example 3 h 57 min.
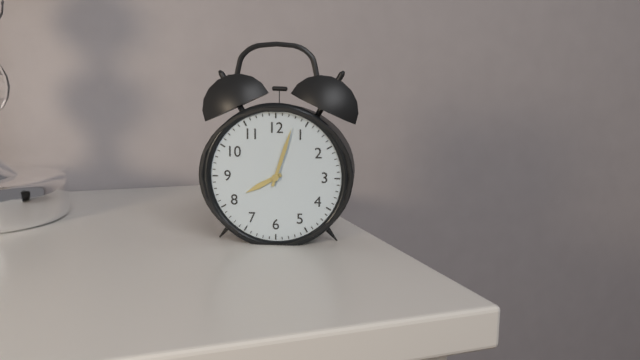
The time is 8 h 03 min
